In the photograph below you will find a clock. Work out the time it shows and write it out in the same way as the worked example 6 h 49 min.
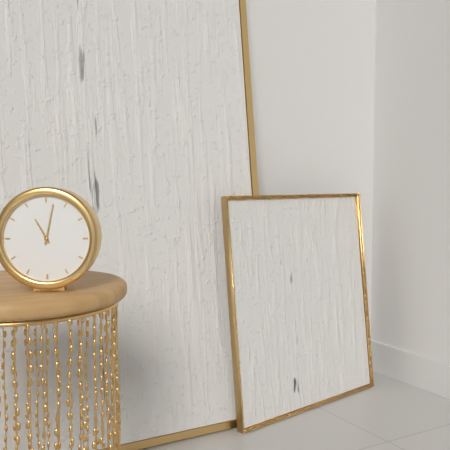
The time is 11 h 02 min
